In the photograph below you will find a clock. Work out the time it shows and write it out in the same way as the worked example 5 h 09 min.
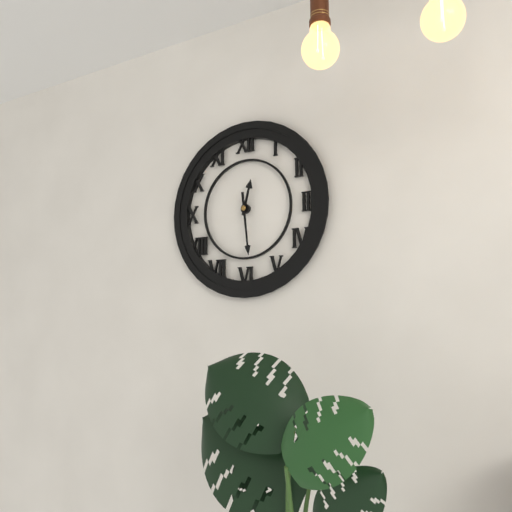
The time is 12 h 29 min
